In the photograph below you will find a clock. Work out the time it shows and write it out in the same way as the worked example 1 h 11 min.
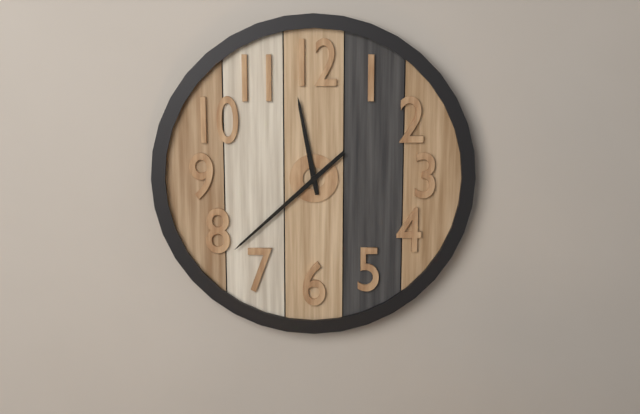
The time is 11 h 38 min
